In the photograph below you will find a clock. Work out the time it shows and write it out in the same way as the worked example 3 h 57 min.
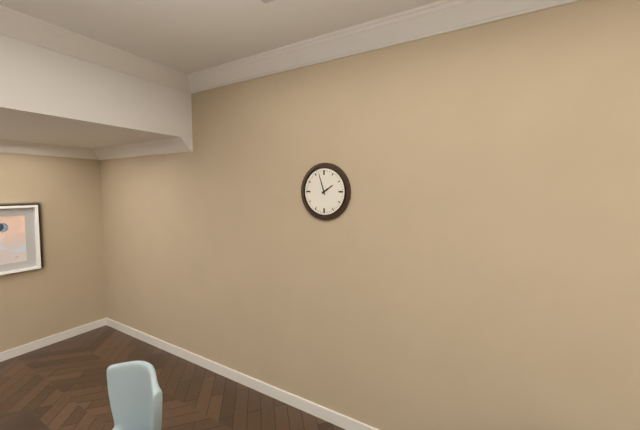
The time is 1 h 57 min
